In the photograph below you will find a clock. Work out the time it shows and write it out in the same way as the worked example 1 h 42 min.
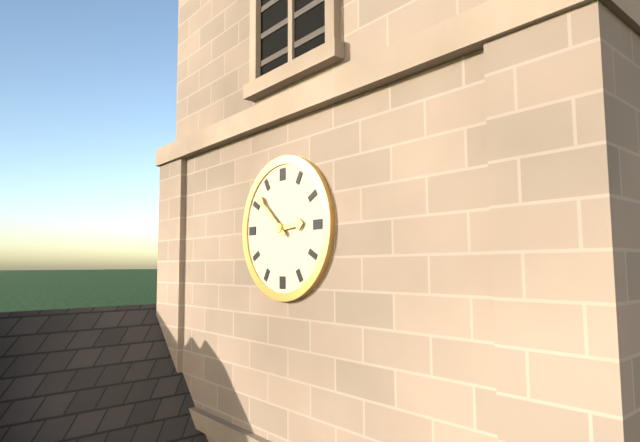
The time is 2 h 52 min
